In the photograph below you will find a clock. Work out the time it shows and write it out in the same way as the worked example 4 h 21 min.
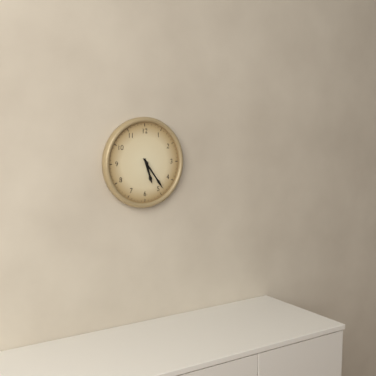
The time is 5 h 24 min
